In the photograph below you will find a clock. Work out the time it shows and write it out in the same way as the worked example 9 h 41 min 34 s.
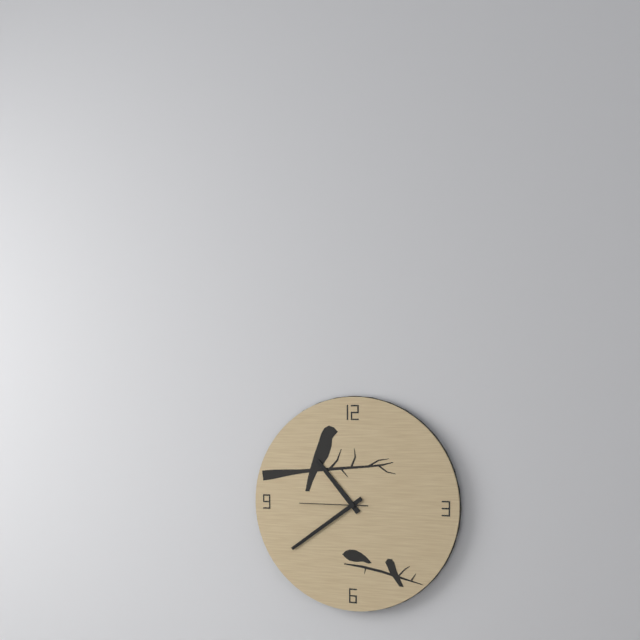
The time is 10 h 39 min 45 s
